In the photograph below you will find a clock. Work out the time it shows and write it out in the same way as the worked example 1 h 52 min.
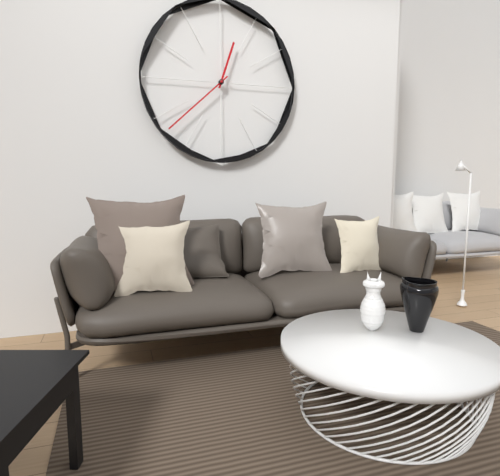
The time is 12 h 38 min
